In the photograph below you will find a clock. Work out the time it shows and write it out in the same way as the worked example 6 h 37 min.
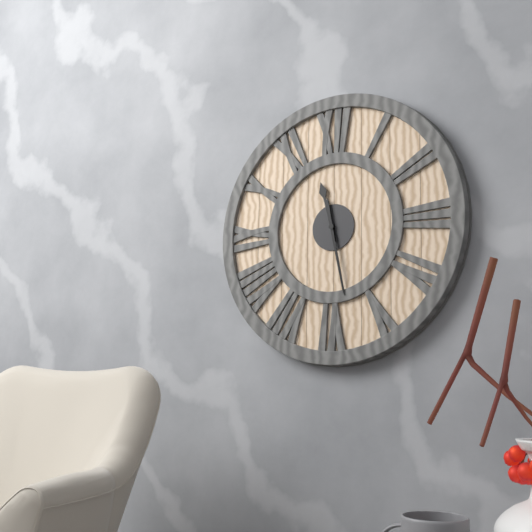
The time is 11 h 28 min
